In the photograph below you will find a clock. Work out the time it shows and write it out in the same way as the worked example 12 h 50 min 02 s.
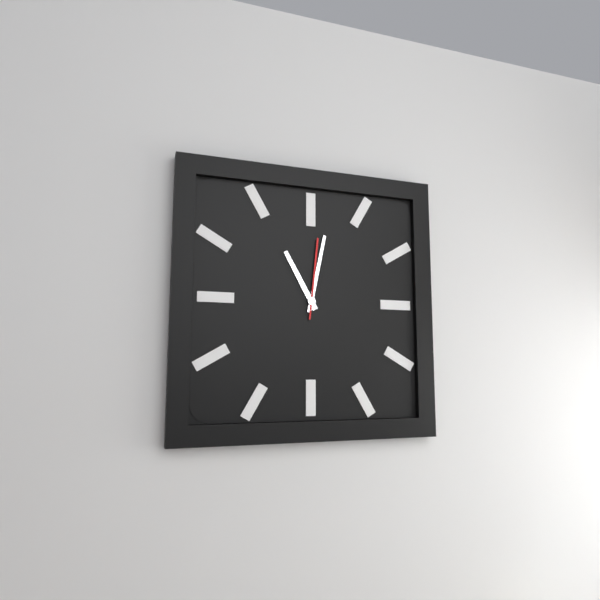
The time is 11 h 02 min 01 s
